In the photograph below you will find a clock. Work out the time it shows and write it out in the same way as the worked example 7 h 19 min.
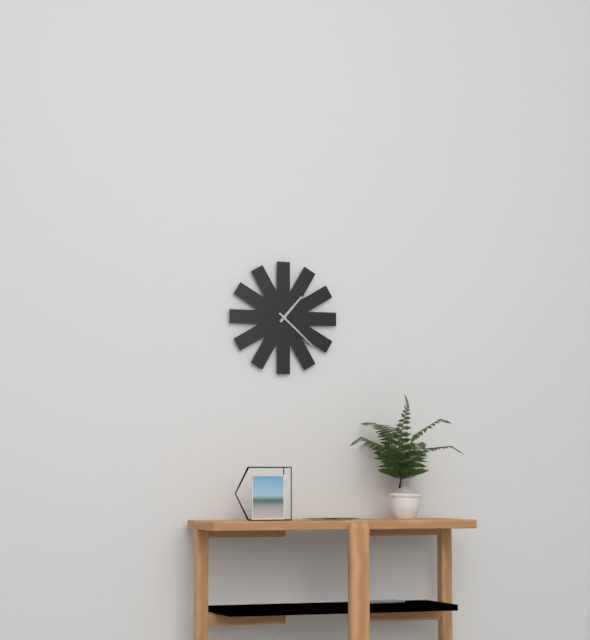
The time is 1 h 22 min
